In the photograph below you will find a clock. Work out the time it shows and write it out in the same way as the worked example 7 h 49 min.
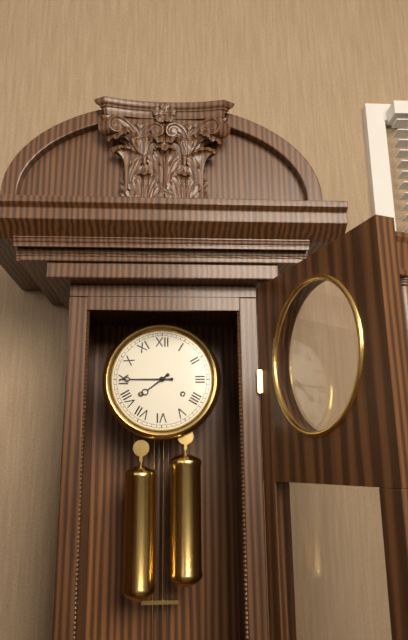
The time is 7 h 45 min
